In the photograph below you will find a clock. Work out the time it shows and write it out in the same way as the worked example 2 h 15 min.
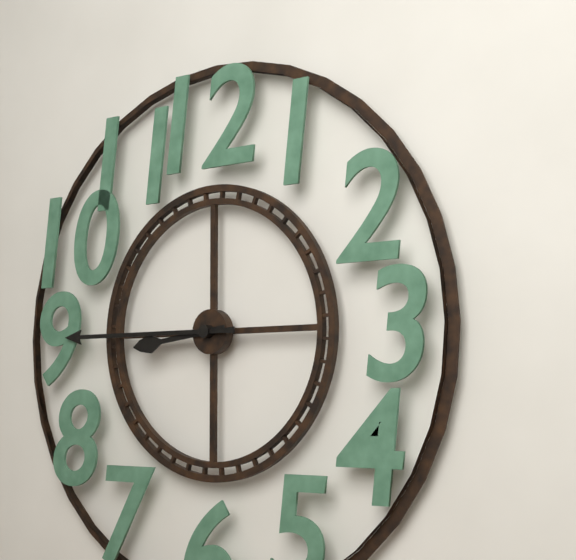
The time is 8 h 45 min
